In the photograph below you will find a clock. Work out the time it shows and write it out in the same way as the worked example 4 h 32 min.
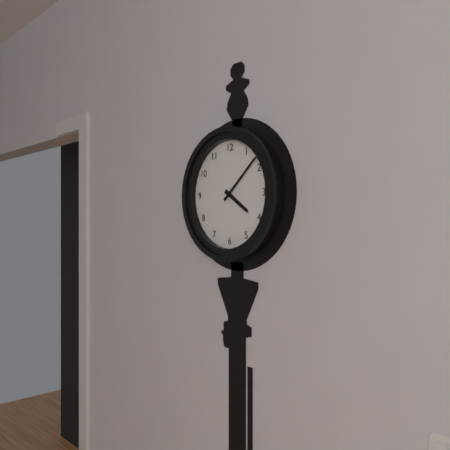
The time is 4 h 08 min
